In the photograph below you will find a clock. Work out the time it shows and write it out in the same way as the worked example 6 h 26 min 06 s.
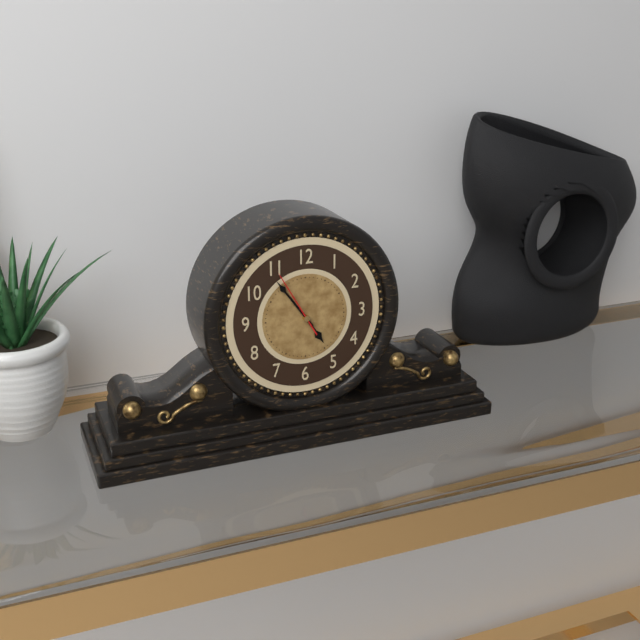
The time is 4 h 54 min 55 s
